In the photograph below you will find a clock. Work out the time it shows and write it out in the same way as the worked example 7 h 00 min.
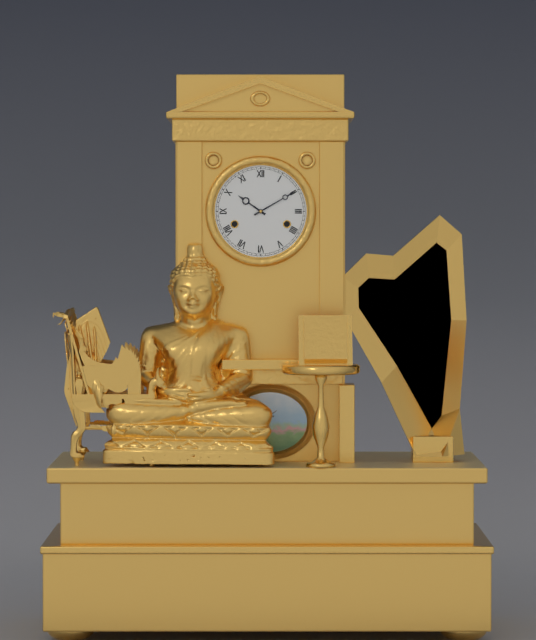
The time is 10 h 10 min
